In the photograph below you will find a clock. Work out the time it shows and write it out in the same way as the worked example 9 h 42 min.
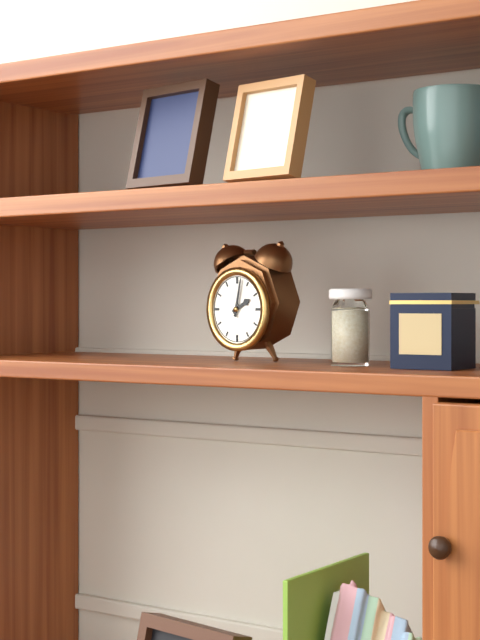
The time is 2 h 02 min
